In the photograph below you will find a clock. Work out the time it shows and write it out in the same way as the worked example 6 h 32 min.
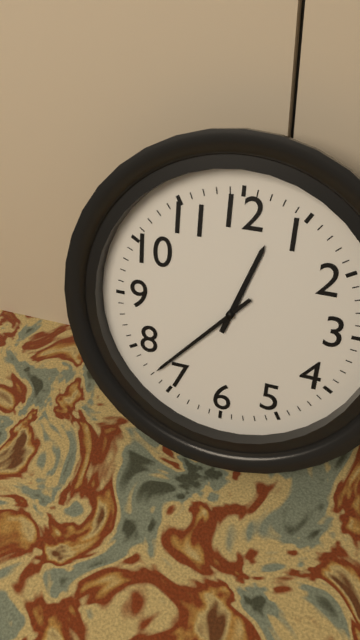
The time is 12 h 37 min
